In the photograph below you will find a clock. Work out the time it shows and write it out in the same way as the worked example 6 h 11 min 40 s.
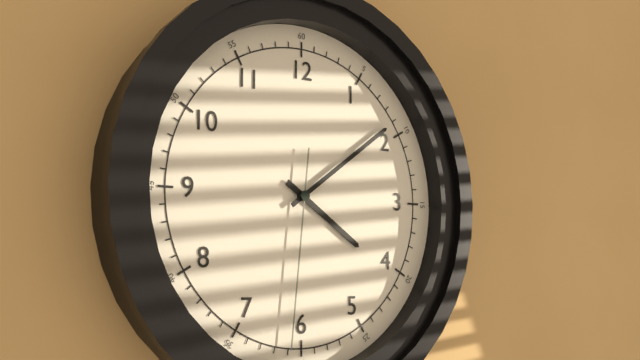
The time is 4 h 09 min 31 s
